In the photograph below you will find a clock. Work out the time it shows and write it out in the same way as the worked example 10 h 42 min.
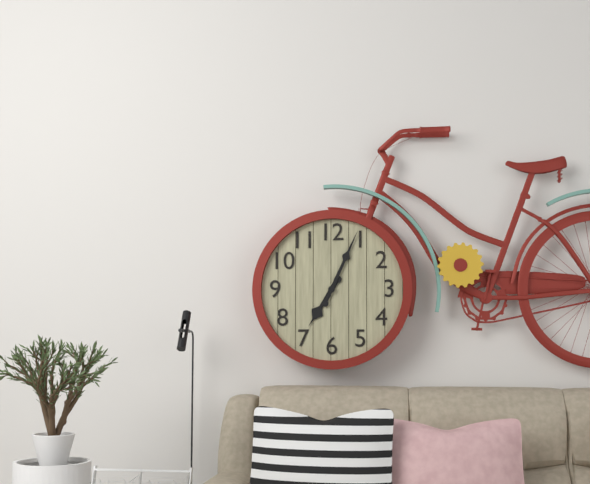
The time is 7 h 04 min
